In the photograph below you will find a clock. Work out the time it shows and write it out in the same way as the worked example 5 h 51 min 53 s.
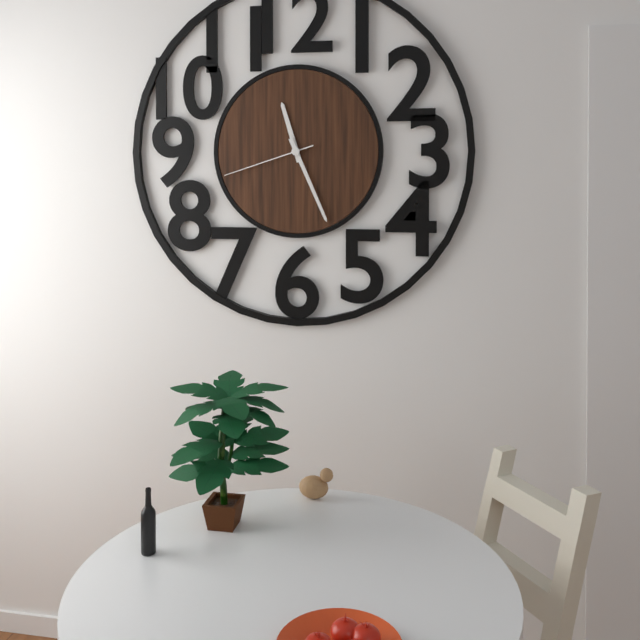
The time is 11 h 26 min 42 s
